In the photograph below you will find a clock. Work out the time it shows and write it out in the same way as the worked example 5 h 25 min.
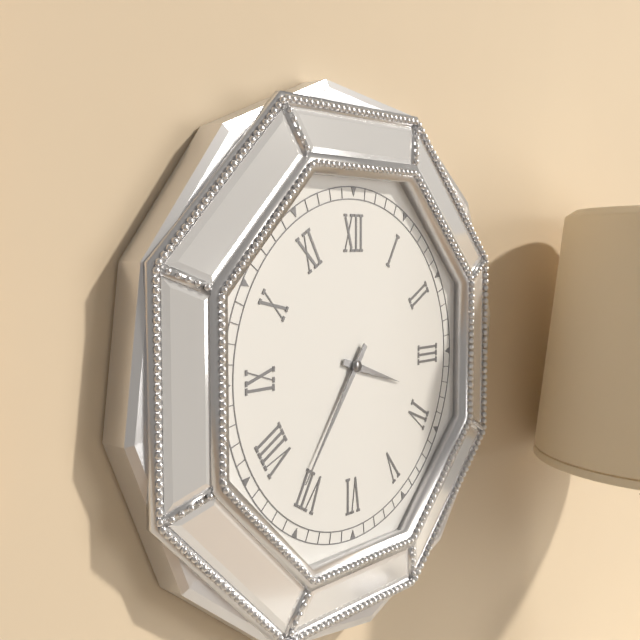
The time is 3 h 36 min
